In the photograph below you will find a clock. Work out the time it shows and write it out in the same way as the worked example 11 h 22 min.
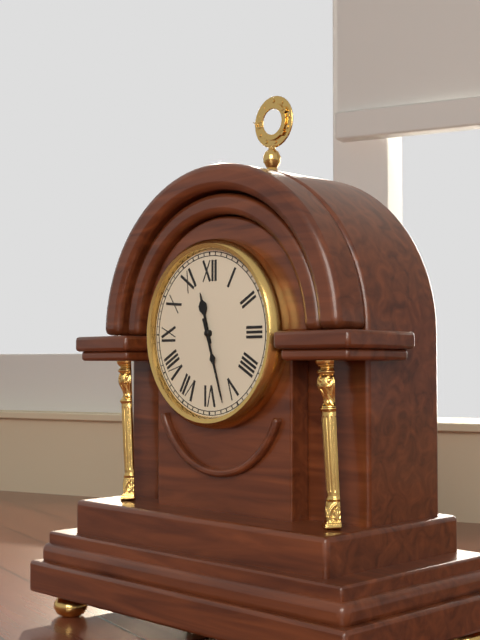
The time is 11 h 27 min
